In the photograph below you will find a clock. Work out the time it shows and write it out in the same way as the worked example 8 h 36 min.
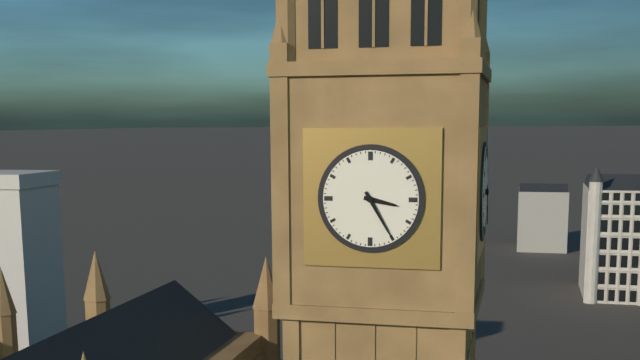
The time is 3 h 25 min
